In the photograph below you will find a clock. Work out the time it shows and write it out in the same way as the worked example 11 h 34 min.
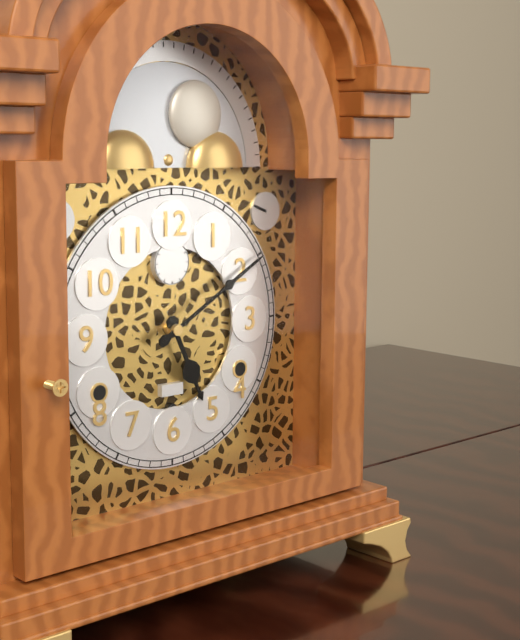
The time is 5 h 10 min
